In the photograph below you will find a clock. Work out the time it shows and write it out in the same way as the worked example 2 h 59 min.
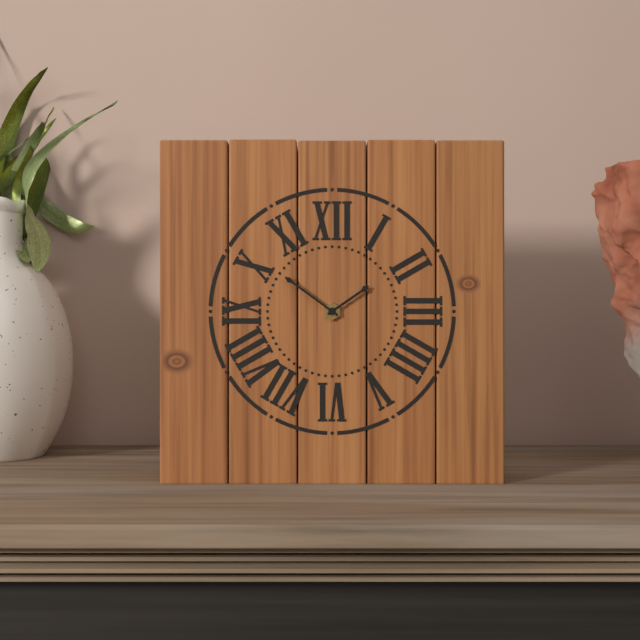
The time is 1 h 51 min
